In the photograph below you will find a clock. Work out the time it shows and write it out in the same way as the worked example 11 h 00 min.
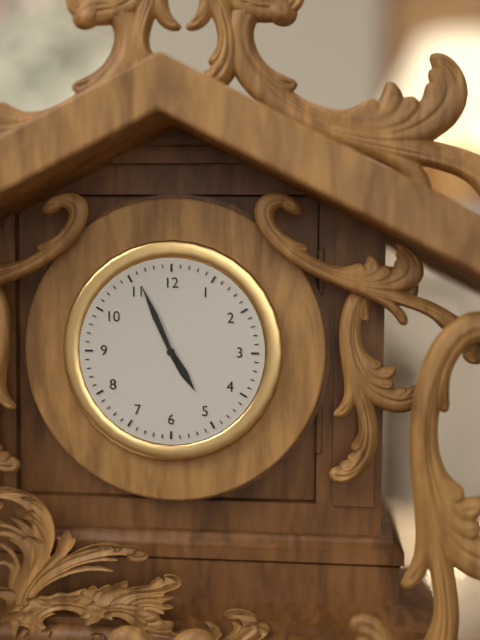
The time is 4 h 56 min
